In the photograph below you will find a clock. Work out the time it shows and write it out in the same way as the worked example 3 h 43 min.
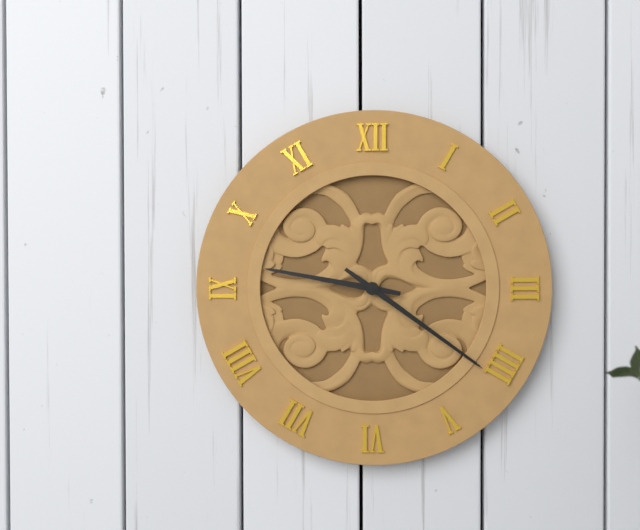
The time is 9 h 21 min
